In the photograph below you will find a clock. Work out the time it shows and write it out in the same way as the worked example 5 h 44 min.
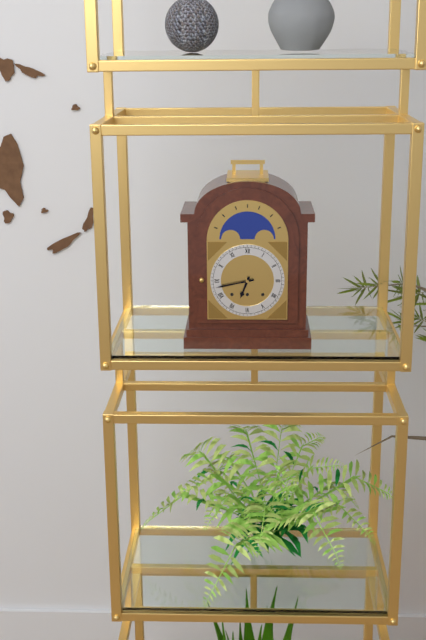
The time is 6 h 43 min
